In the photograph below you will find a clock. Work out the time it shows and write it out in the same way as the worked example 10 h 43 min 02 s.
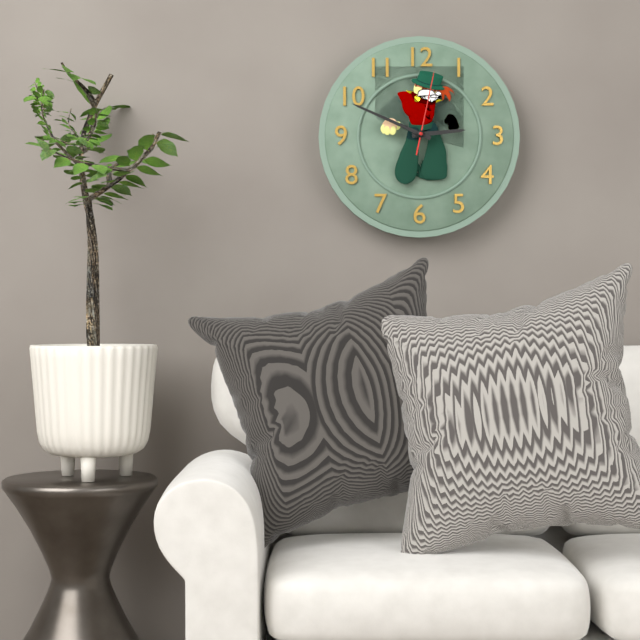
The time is 2 h 49 min 02 s
